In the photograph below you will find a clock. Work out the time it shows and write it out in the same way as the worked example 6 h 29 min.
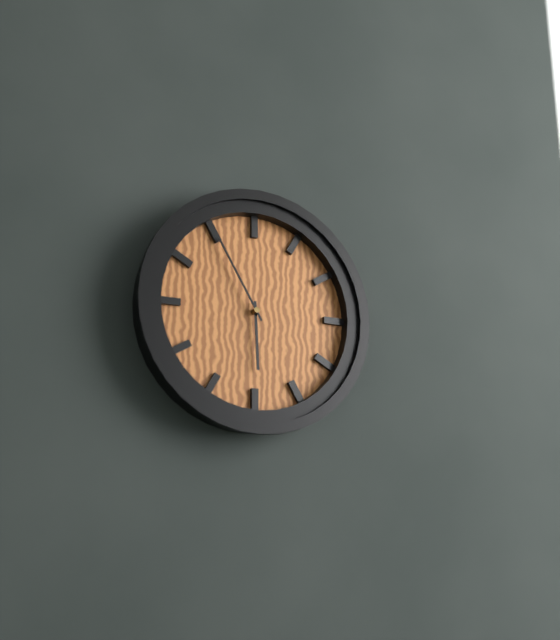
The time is 5 h 55 min
